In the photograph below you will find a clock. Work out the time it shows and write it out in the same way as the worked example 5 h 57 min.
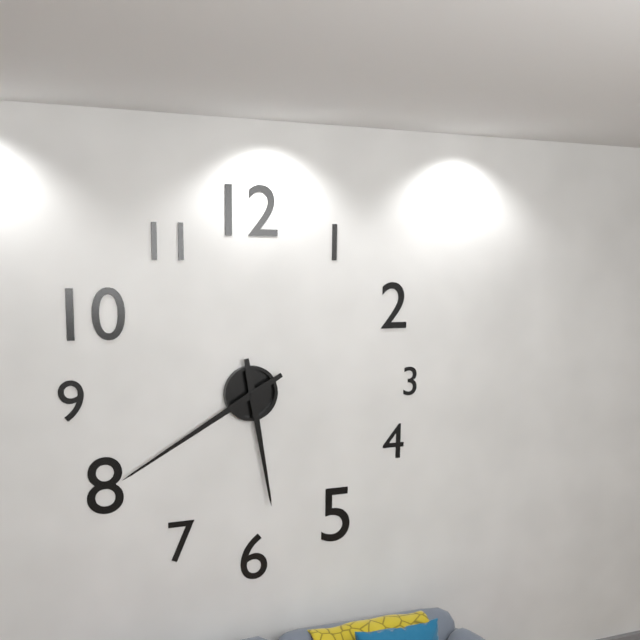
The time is 5 h 40 min
